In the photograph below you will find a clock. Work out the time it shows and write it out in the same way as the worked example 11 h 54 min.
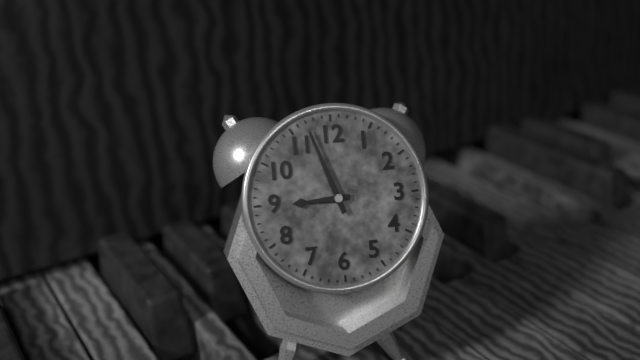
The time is 8 h 57 min
